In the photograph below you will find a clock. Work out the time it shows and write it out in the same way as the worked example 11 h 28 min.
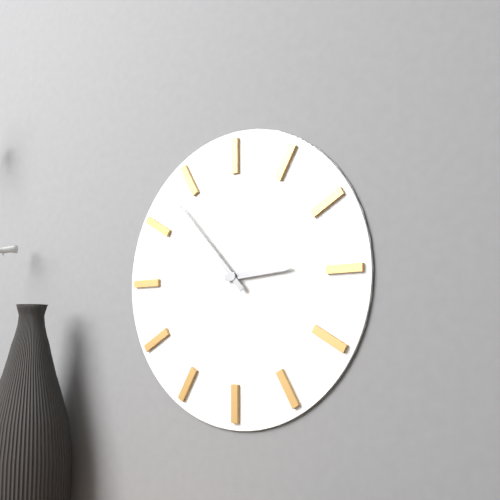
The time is 2 h 53 min
